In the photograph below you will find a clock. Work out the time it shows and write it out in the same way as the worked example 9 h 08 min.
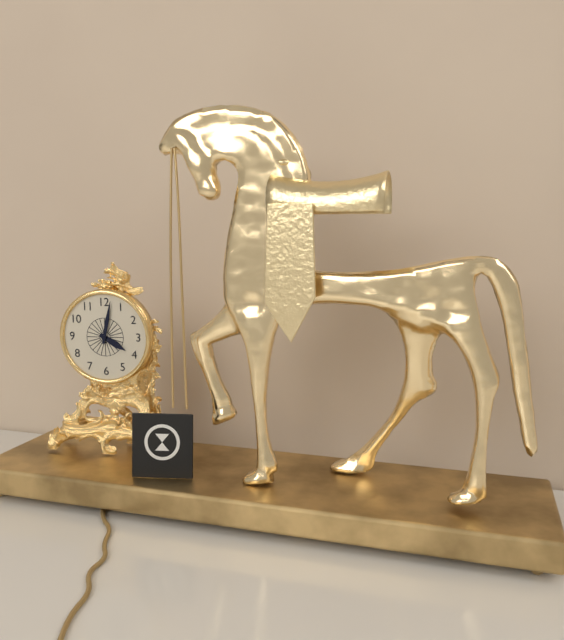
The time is 4 h 02 min
